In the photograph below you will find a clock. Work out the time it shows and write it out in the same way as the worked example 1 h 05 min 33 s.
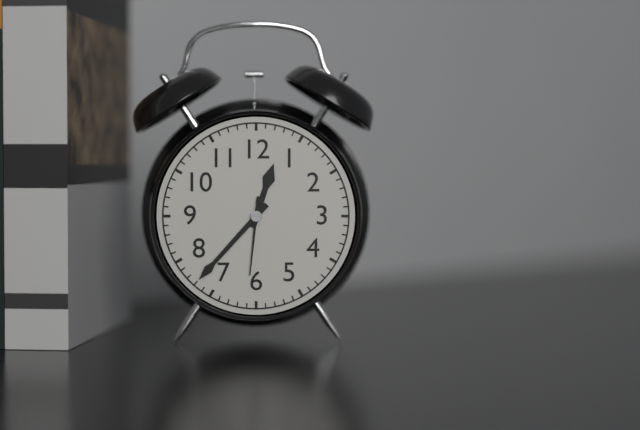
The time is 12 h 37 min 31 s
